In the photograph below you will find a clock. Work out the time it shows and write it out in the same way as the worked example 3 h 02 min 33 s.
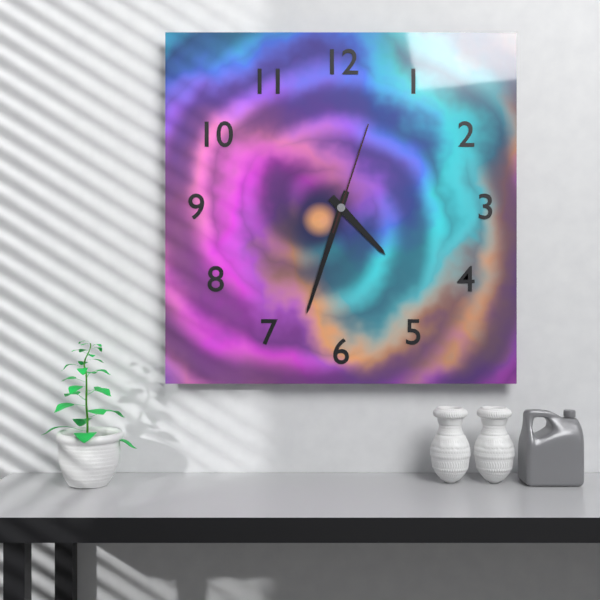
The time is 4 h 33 min 03 s
